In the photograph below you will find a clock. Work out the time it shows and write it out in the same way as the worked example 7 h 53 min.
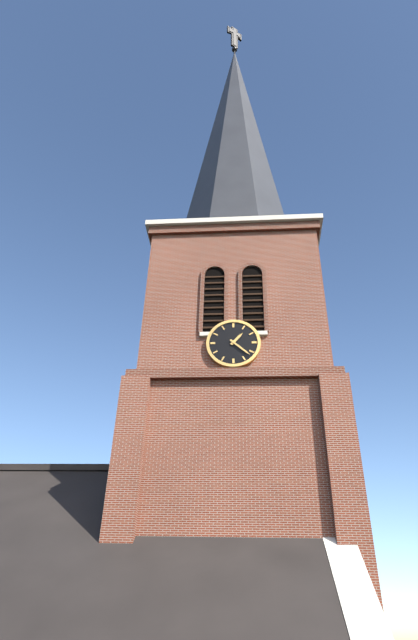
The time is 1 h 22 min
